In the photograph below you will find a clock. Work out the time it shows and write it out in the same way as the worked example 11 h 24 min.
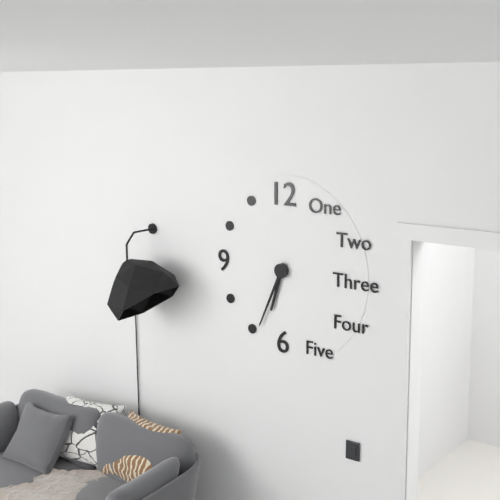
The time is 6 h 34 min
